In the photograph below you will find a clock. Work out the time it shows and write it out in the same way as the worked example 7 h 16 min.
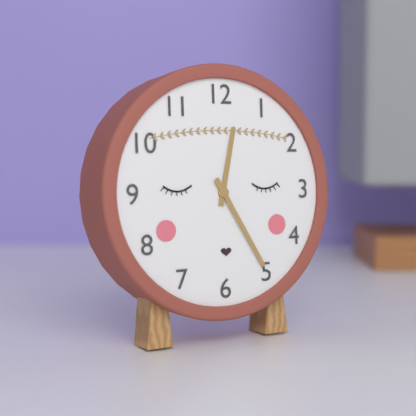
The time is 12 h 25 min
